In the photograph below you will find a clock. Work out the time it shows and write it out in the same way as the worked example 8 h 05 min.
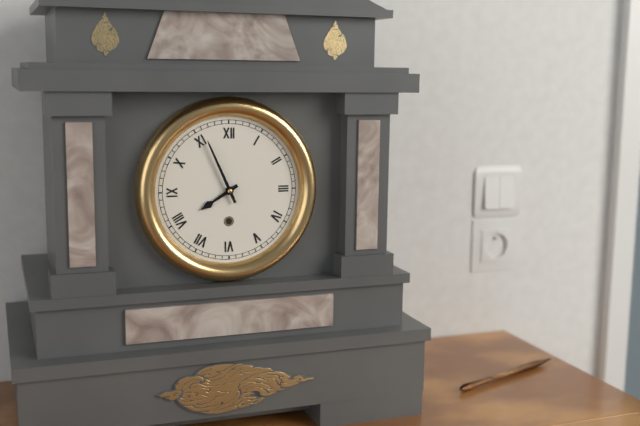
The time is 7 h 56 min
